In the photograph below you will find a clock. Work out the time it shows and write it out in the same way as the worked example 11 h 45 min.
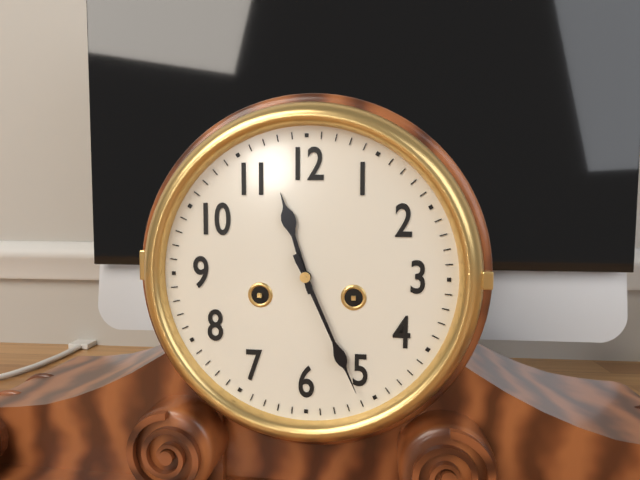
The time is 11 h 26 min
